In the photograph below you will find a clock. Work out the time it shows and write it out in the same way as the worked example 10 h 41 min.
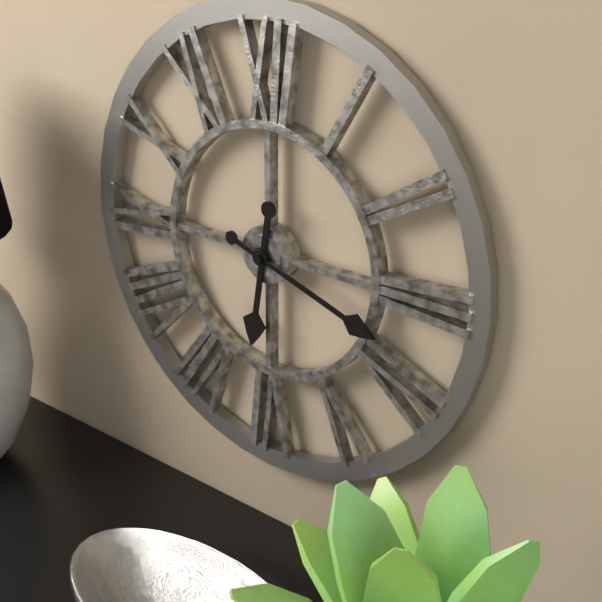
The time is 6 h 18 min
